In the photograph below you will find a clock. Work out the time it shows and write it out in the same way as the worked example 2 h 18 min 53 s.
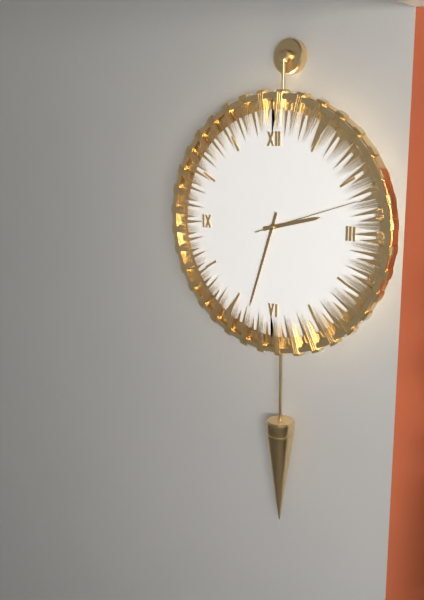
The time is 2 h 33 min 12 s
